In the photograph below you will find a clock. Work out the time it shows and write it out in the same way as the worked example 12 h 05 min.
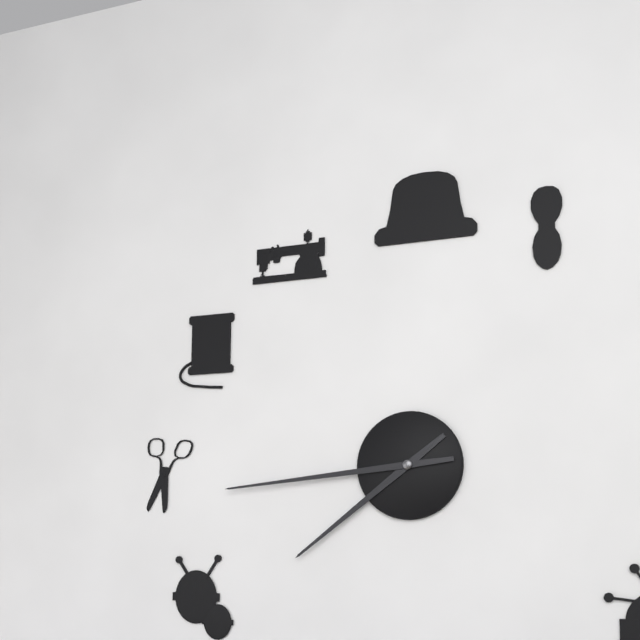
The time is 7 h 44 min
